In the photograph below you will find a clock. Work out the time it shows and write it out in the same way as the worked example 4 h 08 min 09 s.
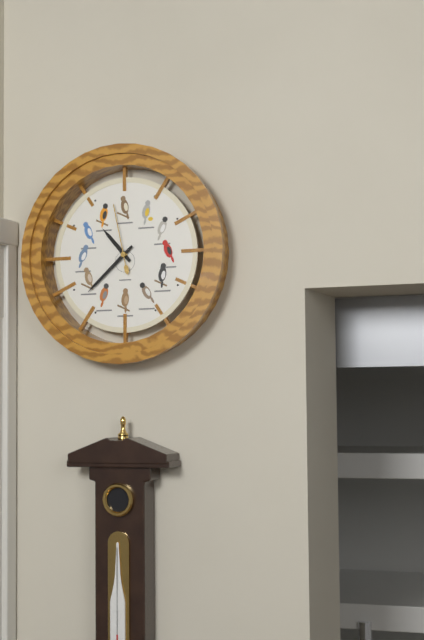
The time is 10 h 38 min 58 s
